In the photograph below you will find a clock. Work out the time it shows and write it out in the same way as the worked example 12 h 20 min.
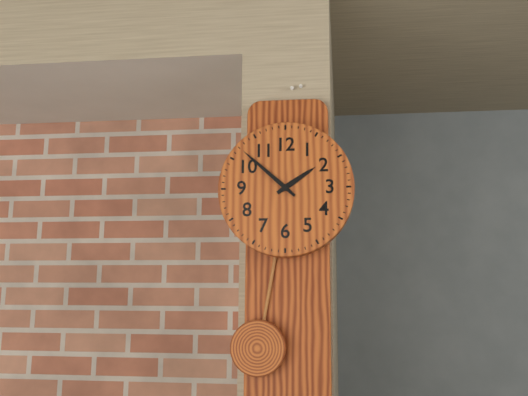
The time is 1 h 52 min
